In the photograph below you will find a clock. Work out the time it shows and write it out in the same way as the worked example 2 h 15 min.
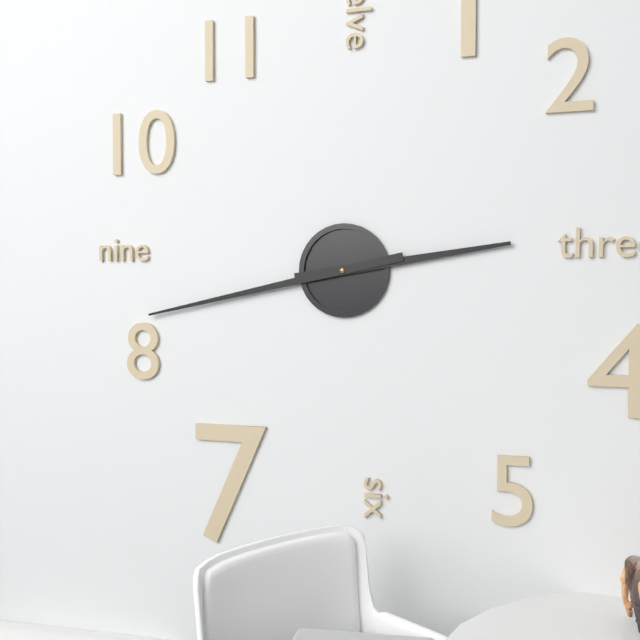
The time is 2 h 43 min
